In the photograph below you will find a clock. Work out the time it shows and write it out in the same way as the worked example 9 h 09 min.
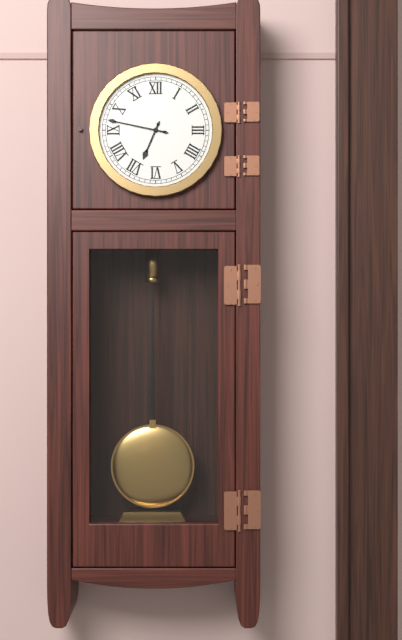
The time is 6 h 47 min
